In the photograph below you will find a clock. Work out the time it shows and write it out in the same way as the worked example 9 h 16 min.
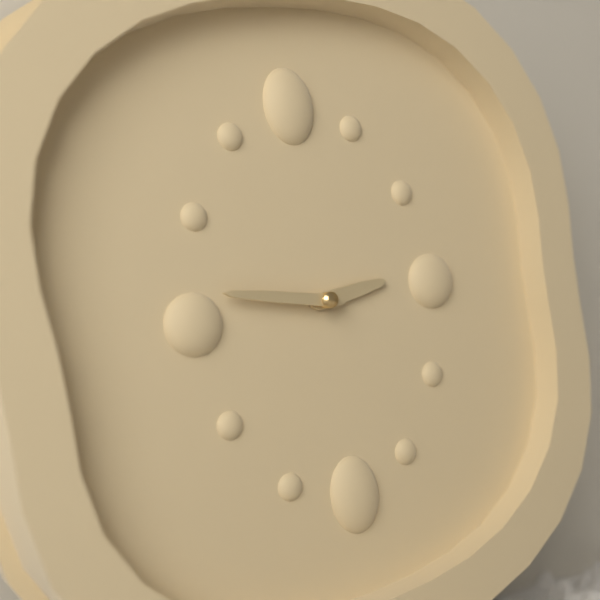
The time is 2 h 47 min
